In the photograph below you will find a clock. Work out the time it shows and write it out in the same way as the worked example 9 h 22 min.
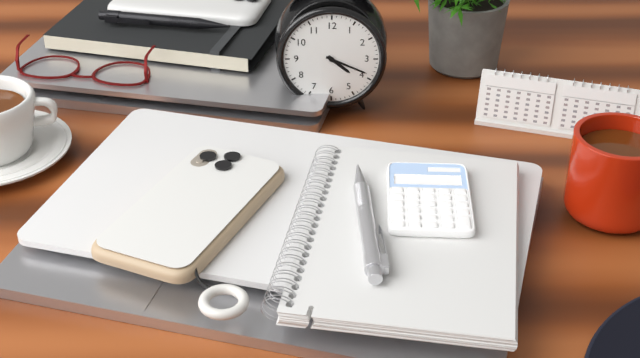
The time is 4 h 19 min
